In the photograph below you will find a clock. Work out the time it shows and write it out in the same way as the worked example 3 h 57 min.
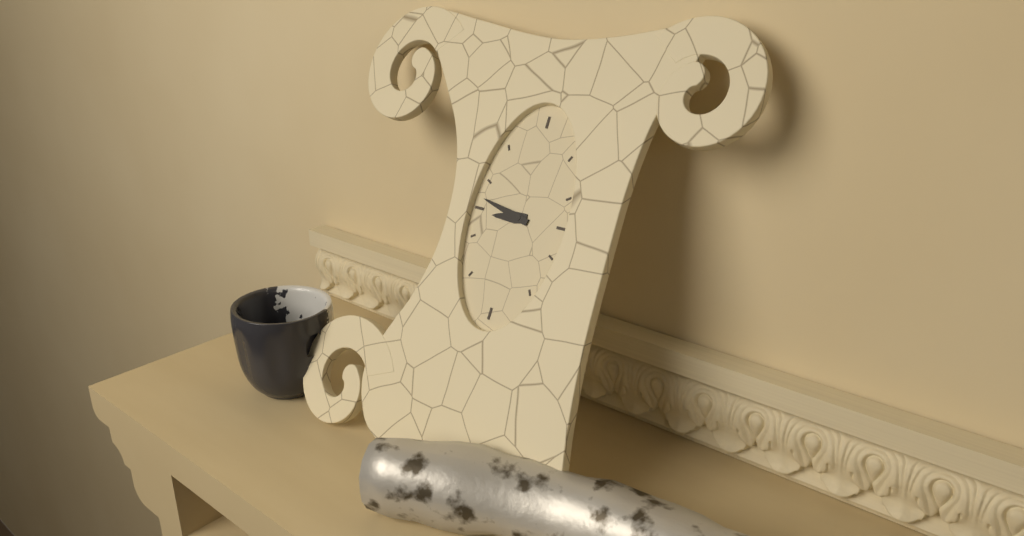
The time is 8 h 47 min
